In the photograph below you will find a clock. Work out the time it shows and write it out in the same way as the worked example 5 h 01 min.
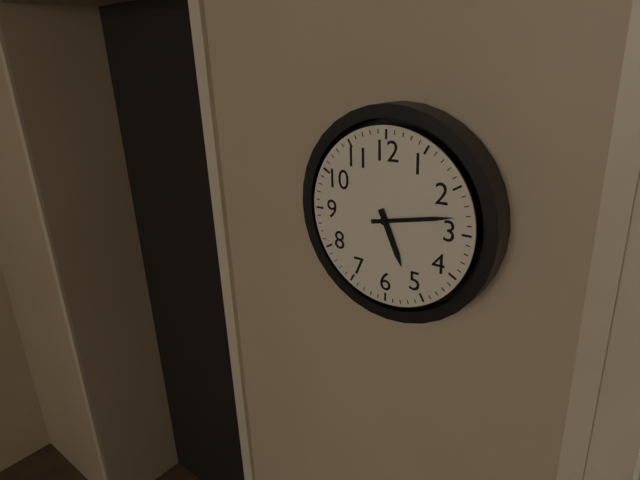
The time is 5 h 13 min
